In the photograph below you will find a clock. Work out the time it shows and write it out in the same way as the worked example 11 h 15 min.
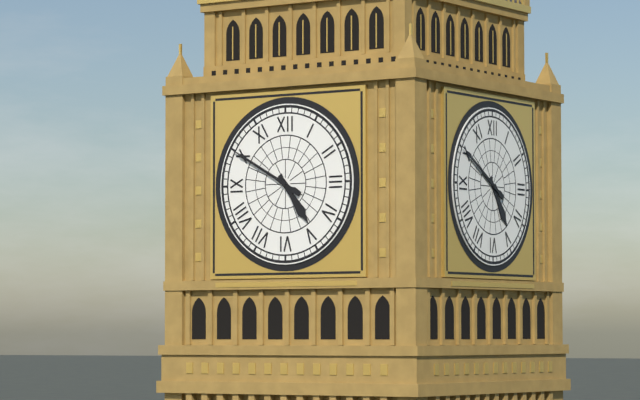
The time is 4 h 50 min
